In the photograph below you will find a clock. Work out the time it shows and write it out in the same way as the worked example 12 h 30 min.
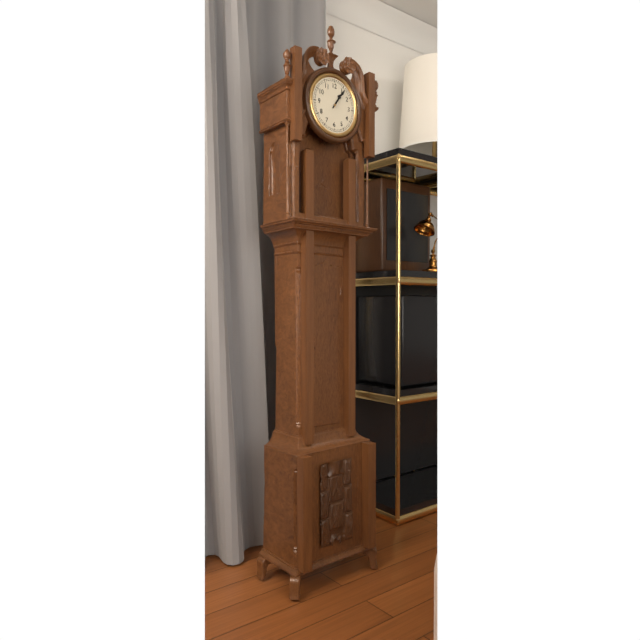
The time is 1 h 06 min
